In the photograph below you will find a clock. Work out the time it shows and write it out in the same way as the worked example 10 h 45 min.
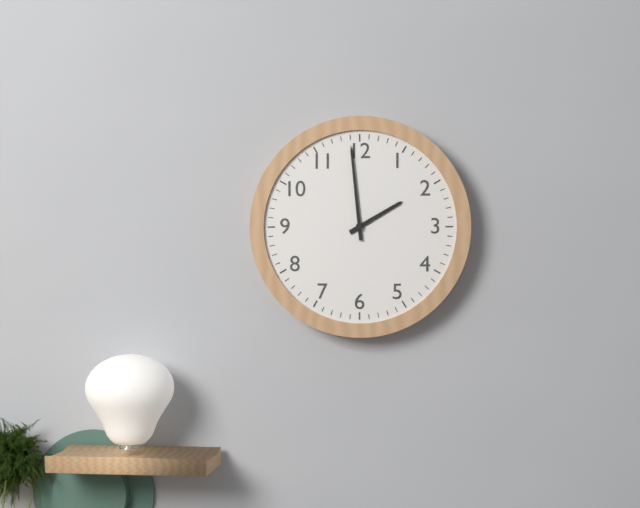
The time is 1 h 59 min
